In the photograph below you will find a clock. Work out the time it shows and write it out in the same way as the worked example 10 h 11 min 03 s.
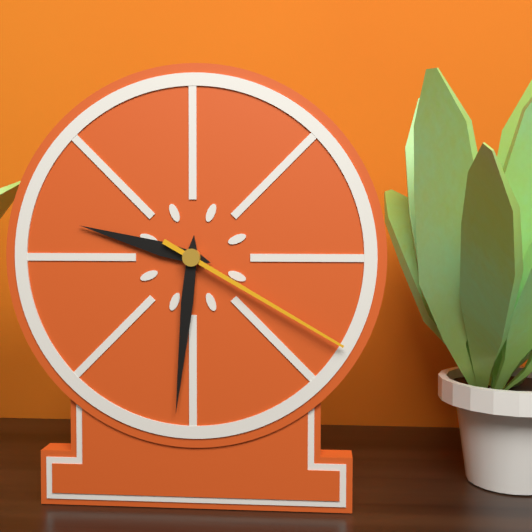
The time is 9 h 31 min 20 s
